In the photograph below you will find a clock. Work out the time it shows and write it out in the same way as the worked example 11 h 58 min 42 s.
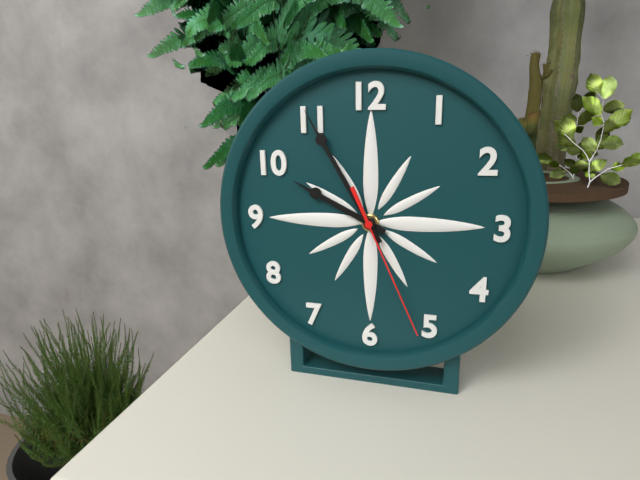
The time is 9 h 55 min 26 s
